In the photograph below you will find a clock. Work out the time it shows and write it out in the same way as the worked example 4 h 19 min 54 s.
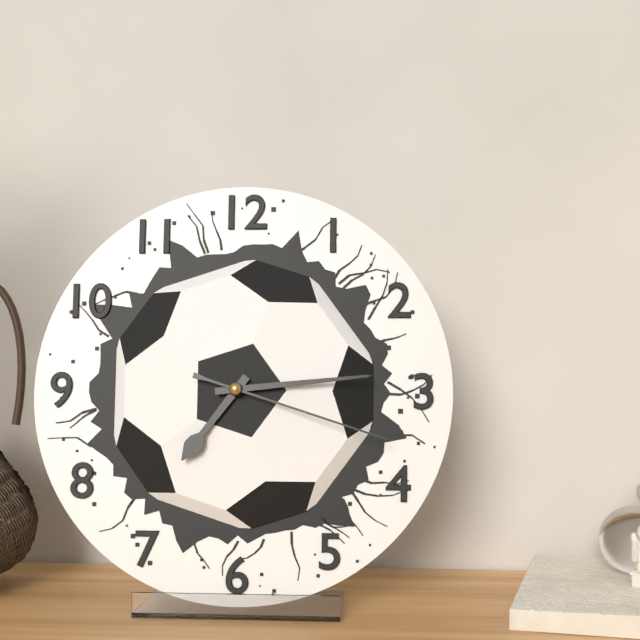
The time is 7 h 14 min 18 s
